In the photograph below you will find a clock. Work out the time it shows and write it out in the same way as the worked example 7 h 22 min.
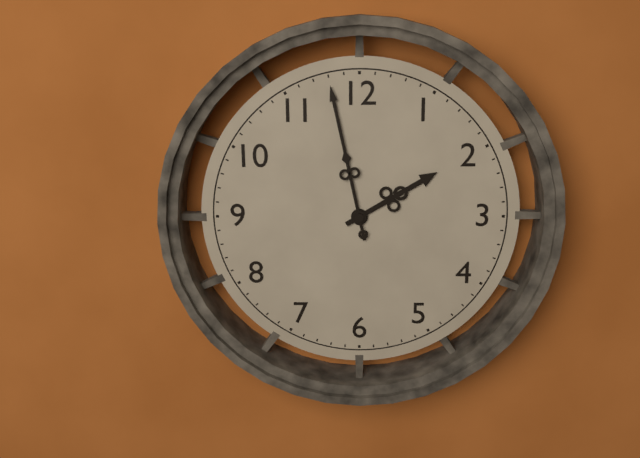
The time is 1 h 58 min
